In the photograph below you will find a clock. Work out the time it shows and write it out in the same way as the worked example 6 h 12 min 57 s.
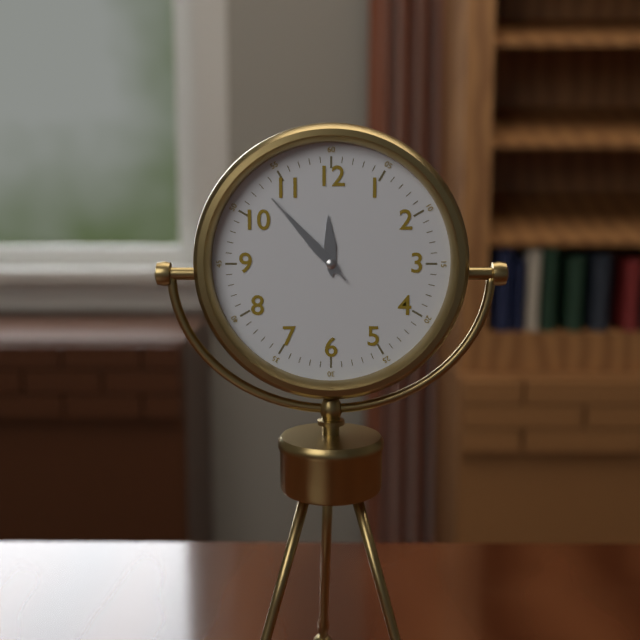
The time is 11 h 53 min 53 s
